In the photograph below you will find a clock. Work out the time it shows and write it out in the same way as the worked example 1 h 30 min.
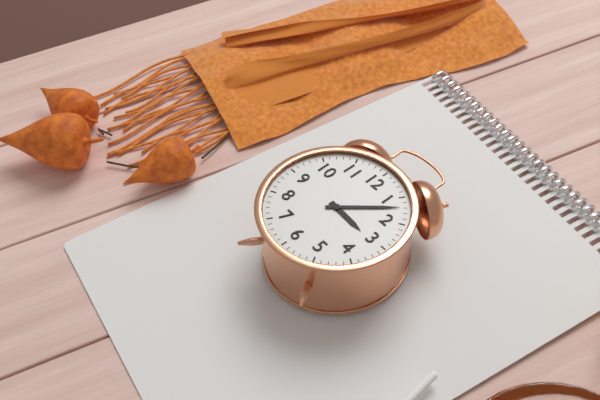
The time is 3 h 07 min
